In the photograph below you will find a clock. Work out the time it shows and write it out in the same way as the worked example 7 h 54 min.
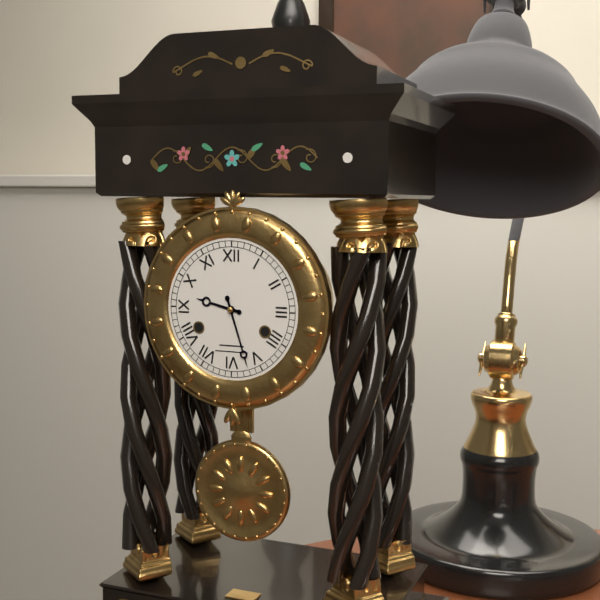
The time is 9 h 27 min
